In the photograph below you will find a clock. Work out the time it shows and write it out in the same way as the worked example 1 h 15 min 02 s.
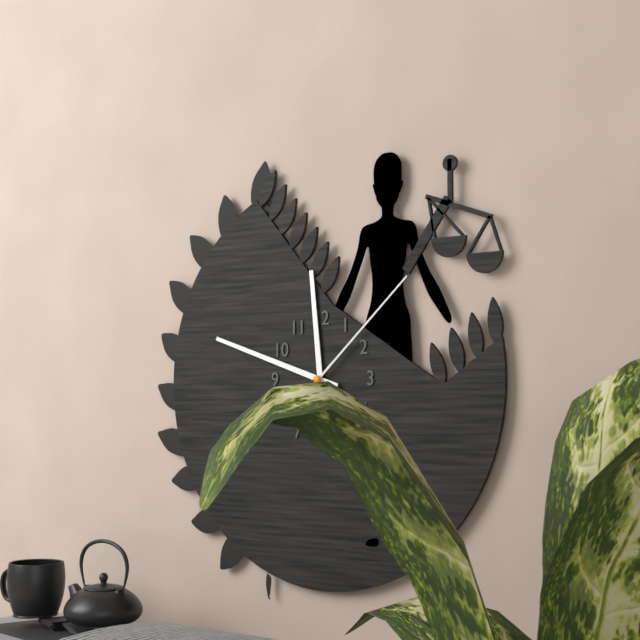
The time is 11 h 48 min 08 s
